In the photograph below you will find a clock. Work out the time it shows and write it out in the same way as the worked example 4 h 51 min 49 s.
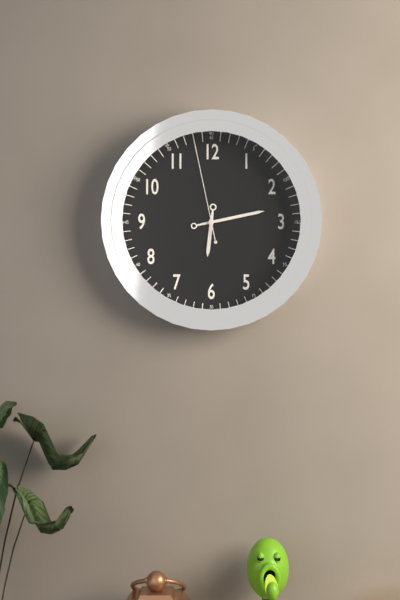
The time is 6 h 13 min 58 s
